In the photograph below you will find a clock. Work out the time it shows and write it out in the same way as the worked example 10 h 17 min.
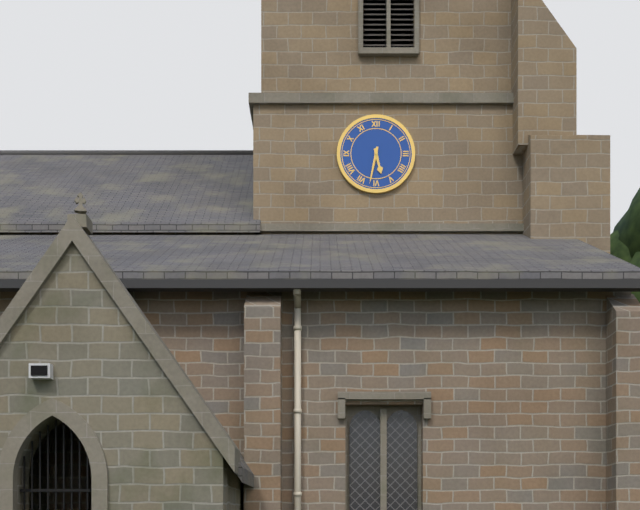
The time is 5 h 32 min
